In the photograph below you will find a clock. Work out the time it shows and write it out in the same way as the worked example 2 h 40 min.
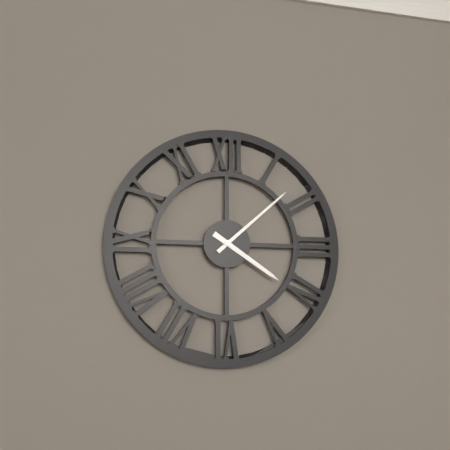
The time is 4 h 08 min
